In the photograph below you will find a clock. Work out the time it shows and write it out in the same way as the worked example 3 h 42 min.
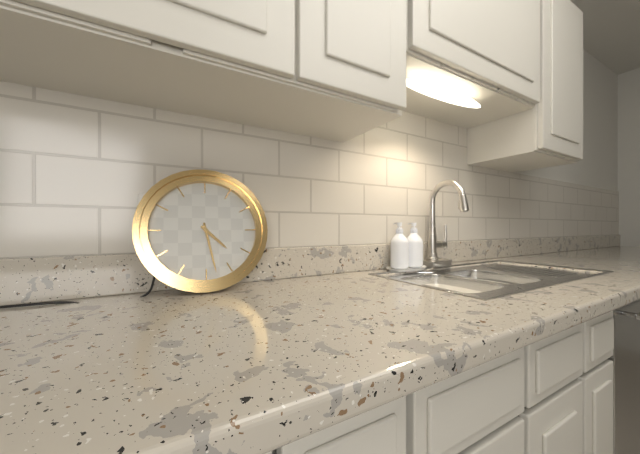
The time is 4 h 28 min
